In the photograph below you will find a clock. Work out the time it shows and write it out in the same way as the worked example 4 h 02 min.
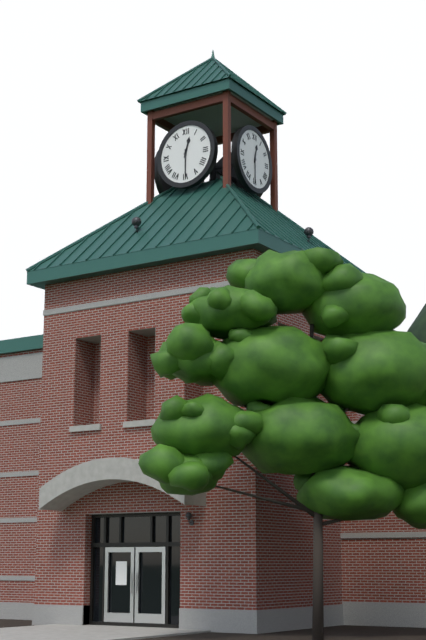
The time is 12 h 30 min
